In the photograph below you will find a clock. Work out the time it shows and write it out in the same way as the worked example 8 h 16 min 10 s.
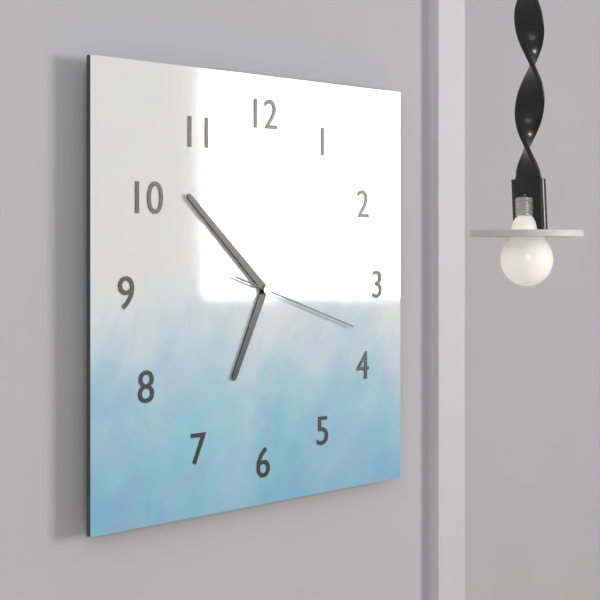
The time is 6 h 52 min 18 s
